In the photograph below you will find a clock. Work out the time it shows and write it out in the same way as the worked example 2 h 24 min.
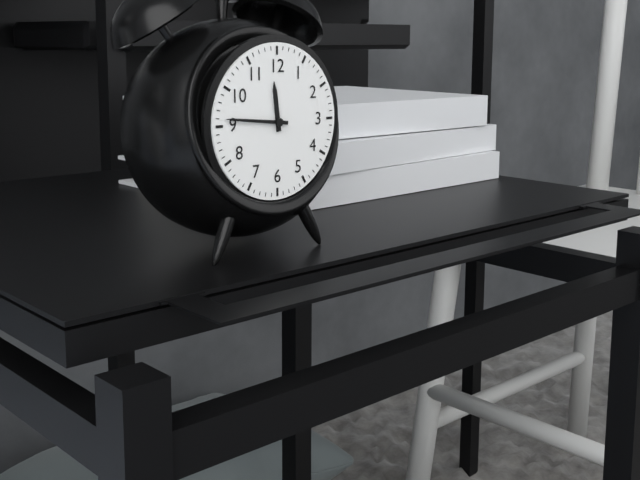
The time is 11 h 46 min
